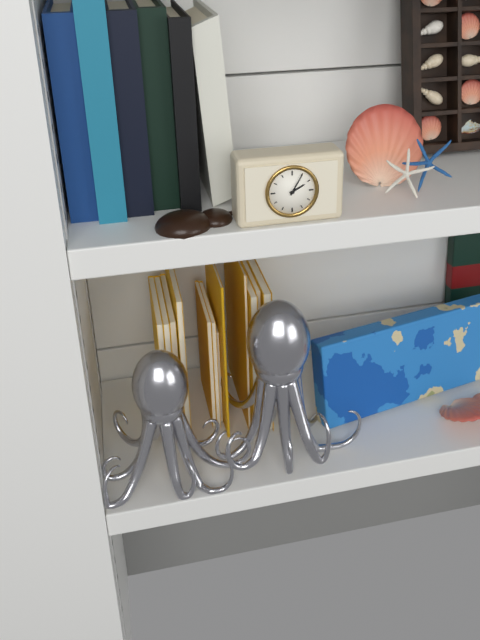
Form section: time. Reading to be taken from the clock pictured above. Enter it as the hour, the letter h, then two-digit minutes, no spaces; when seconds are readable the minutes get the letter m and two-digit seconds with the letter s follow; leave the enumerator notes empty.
2h05
